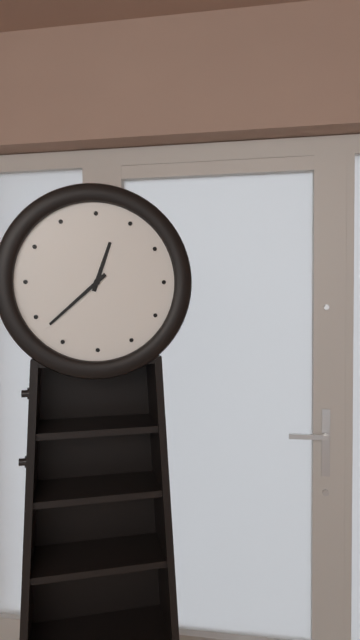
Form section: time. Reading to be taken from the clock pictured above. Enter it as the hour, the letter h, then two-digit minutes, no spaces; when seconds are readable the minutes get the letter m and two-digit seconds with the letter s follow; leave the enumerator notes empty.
12h38
